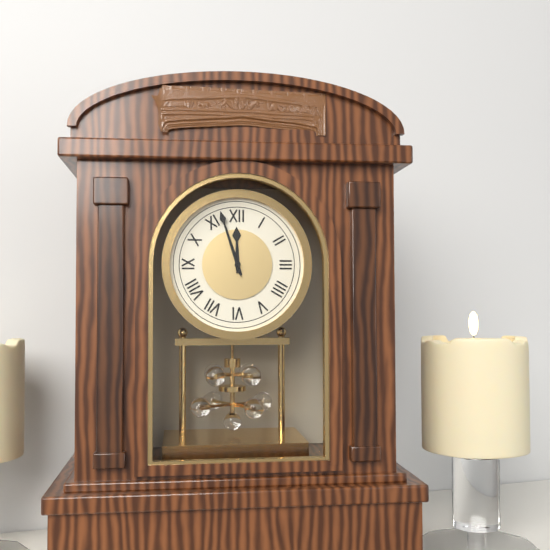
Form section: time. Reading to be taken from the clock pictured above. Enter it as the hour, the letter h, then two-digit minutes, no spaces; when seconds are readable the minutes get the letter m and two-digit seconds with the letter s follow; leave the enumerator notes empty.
11h57
